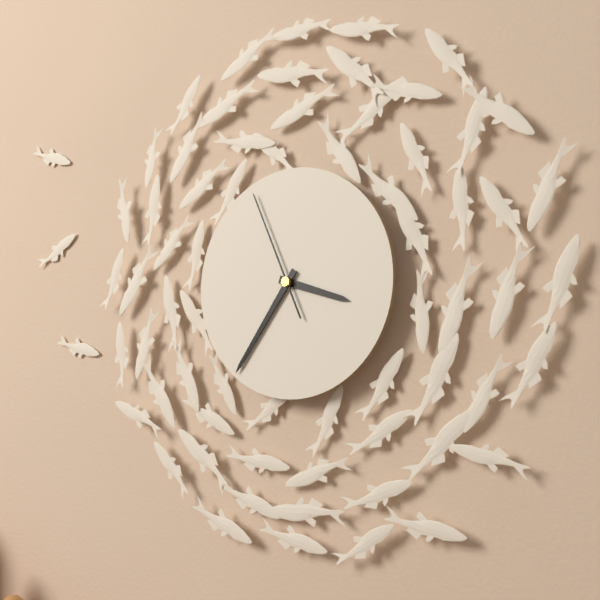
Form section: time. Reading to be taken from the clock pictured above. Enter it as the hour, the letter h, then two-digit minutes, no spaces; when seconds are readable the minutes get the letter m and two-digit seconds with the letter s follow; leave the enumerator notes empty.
3h36m56s
